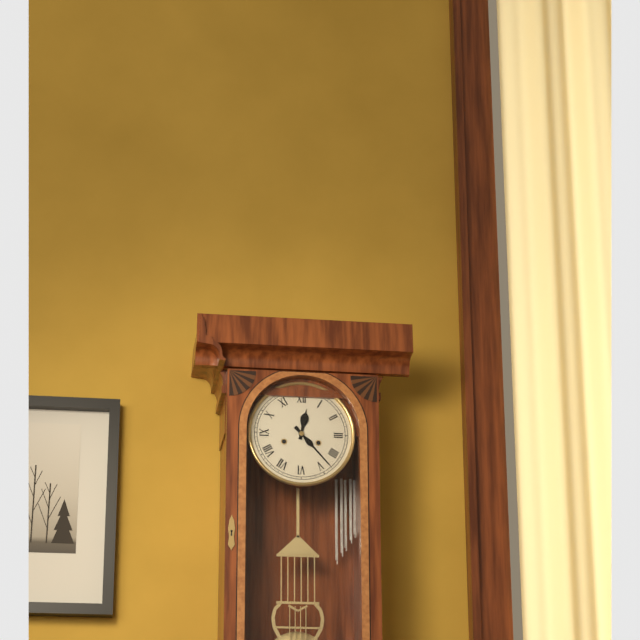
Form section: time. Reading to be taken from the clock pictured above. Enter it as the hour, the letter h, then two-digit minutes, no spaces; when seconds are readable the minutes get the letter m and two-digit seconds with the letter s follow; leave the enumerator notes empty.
12h23
